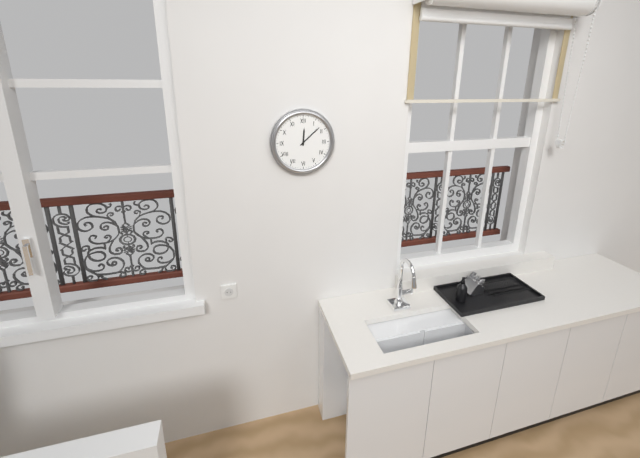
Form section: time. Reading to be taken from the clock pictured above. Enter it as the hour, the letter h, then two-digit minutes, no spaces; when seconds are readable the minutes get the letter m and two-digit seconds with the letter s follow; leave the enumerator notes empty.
12h08
